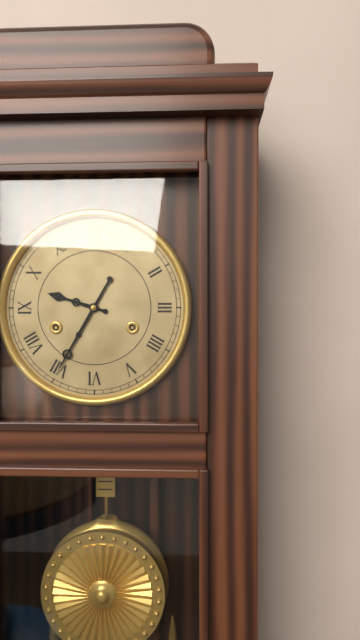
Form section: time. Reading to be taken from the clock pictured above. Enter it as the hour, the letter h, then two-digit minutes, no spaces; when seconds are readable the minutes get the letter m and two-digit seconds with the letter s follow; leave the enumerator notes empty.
9h35
